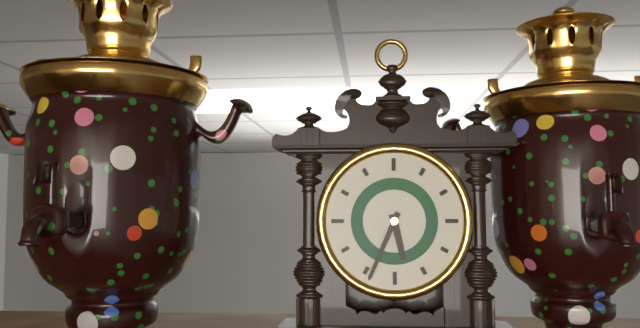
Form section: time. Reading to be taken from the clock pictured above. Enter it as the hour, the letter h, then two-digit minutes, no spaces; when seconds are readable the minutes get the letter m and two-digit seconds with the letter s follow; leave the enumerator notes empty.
5h34
